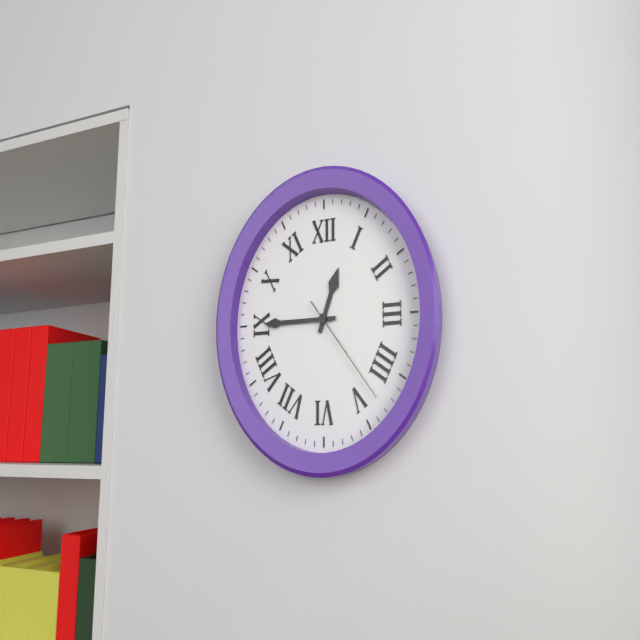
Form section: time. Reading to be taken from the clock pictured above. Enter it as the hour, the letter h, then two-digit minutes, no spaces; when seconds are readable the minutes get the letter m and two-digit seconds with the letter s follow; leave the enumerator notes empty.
12h45m23s
